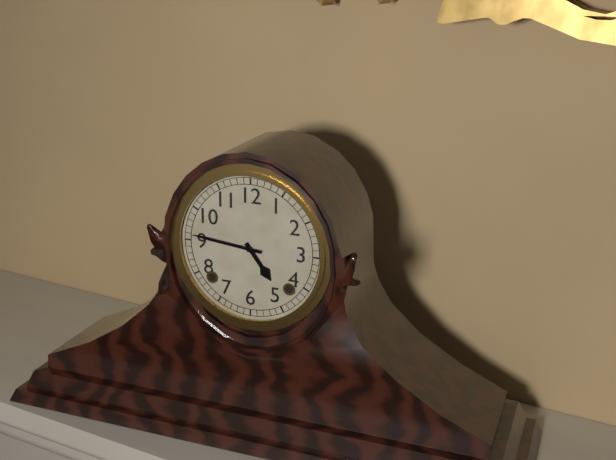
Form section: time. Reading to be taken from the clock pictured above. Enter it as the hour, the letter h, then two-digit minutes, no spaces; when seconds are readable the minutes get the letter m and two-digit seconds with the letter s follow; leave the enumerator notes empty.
4h46
